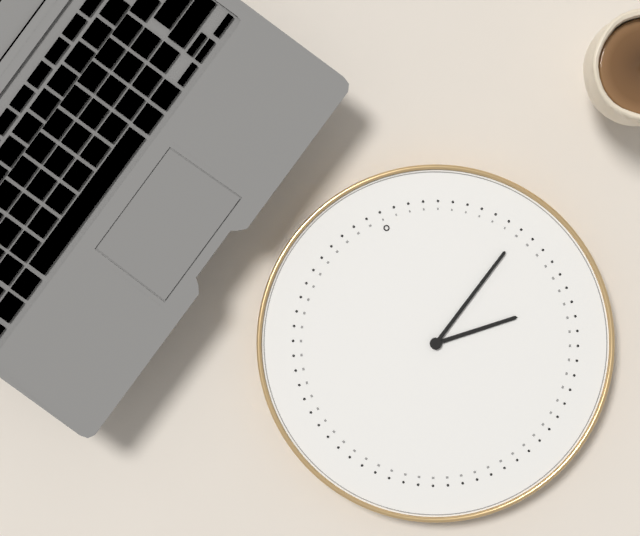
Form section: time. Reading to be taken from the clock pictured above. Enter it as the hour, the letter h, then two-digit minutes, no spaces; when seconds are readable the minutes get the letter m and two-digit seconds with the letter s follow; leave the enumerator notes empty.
3h10
